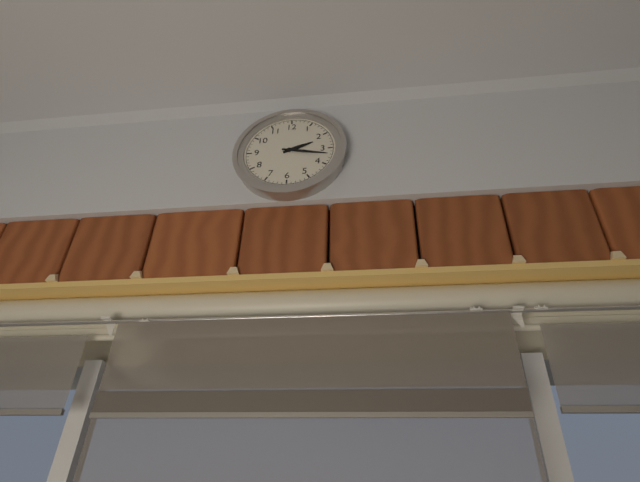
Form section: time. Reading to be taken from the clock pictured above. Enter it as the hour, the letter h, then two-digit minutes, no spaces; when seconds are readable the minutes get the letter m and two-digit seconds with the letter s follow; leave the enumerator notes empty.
2h17
